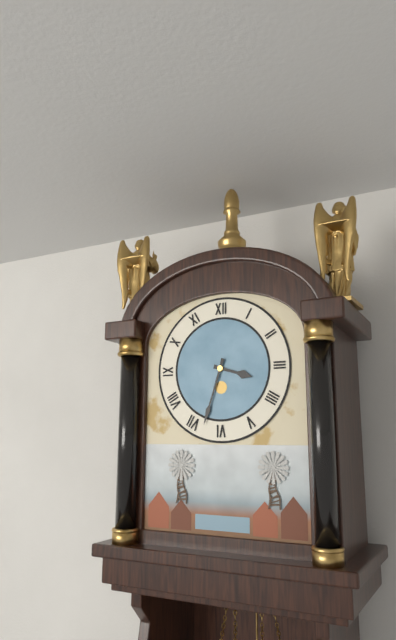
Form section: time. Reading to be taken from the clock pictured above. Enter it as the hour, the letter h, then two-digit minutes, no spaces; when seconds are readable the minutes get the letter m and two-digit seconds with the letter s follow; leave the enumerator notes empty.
3h33
